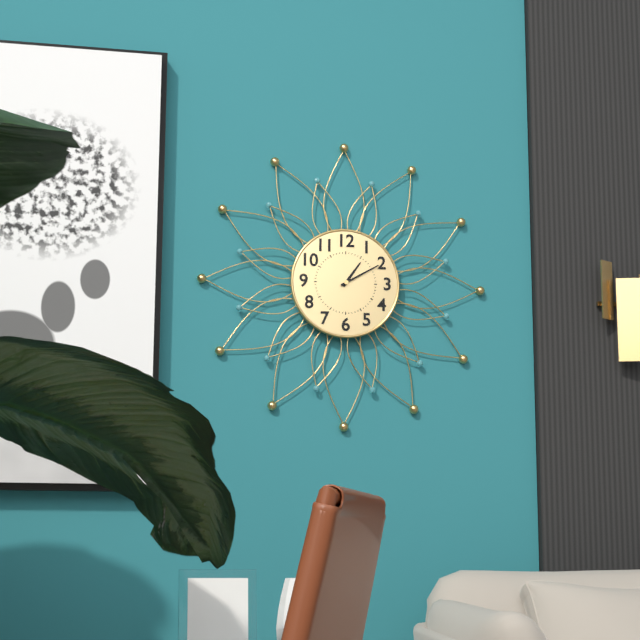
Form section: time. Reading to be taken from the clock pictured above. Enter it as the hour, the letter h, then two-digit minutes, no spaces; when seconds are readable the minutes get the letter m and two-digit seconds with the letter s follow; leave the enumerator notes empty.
1h10
